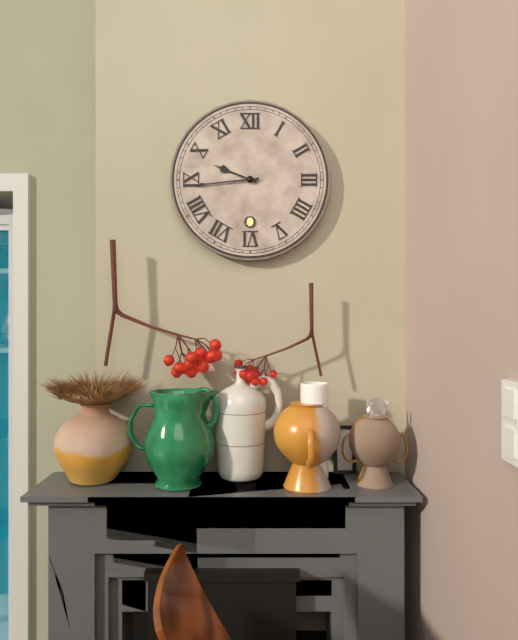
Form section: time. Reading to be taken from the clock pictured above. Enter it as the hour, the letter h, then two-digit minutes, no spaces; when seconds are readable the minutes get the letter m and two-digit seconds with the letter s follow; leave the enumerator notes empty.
9h44
